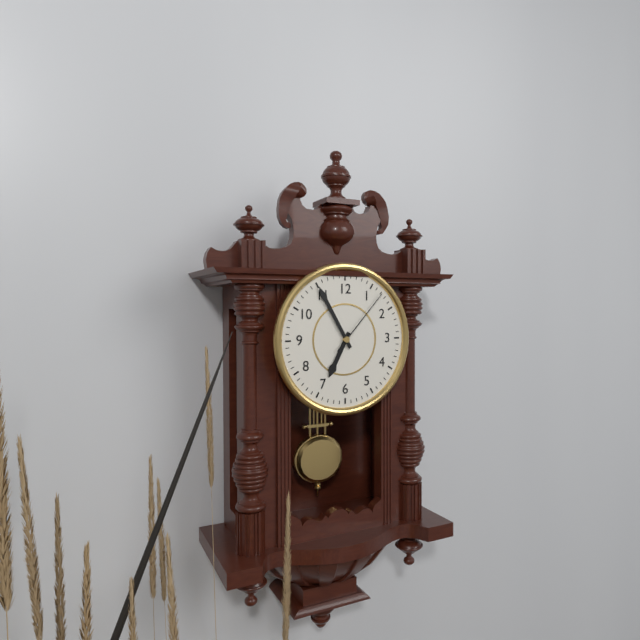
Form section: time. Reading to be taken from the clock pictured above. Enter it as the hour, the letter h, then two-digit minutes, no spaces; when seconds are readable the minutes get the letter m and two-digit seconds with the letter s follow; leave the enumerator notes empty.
6h55m07s
